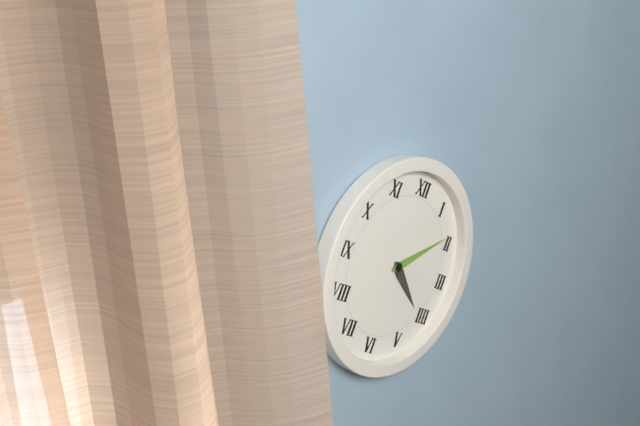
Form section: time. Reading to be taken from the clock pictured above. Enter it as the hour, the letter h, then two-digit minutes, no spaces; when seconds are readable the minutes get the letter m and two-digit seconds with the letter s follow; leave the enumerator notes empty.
4h09
